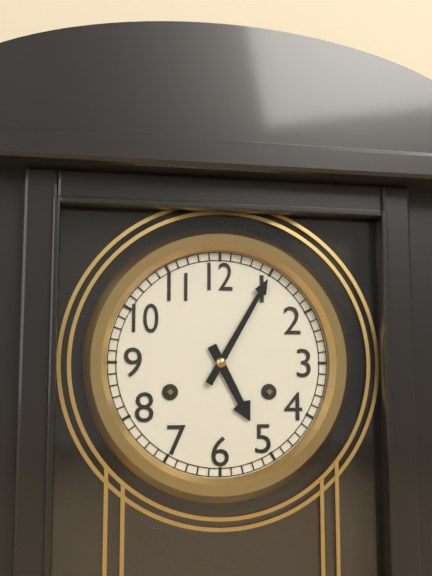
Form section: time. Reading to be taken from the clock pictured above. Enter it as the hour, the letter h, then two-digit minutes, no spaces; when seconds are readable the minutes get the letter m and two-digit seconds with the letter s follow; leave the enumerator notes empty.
5h05
